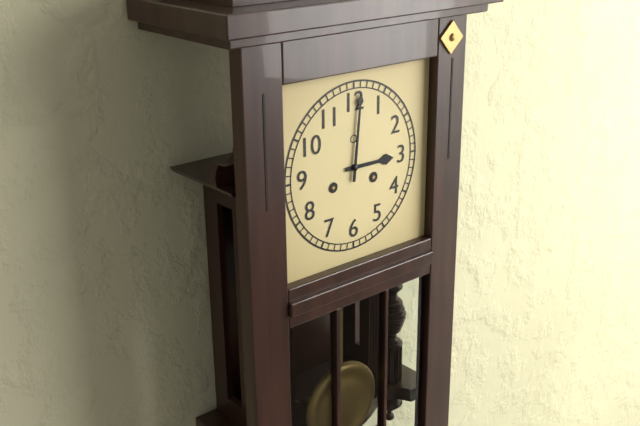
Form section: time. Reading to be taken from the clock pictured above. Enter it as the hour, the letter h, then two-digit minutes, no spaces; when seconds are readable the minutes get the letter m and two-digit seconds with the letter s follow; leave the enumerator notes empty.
3h01
